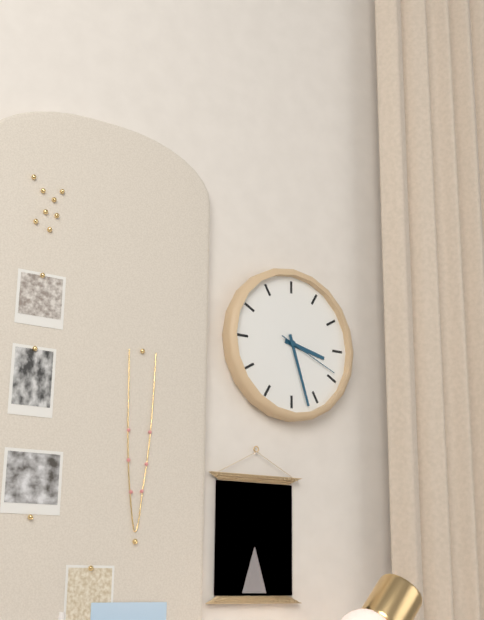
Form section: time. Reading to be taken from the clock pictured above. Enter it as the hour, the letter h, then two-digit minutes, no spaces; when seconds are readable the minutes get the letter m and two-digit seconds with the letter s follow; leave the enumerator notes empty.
3h27m19s
